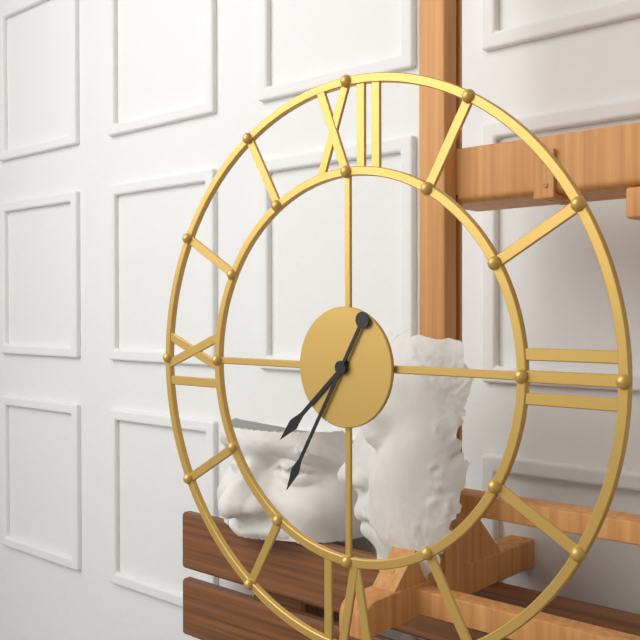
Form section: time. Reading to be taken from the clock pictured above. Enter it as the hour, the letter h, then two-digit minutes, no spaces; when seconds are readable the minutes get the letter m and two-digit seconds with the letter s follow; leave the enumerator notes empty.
7h35
